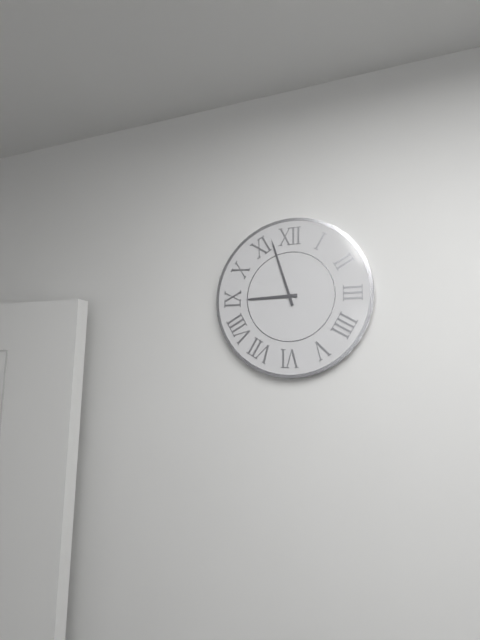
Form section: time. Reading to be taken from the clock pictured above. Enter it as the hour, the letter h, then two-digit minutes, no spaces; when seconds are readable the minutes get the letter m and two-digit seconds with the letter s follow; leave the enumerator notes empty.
8h57
